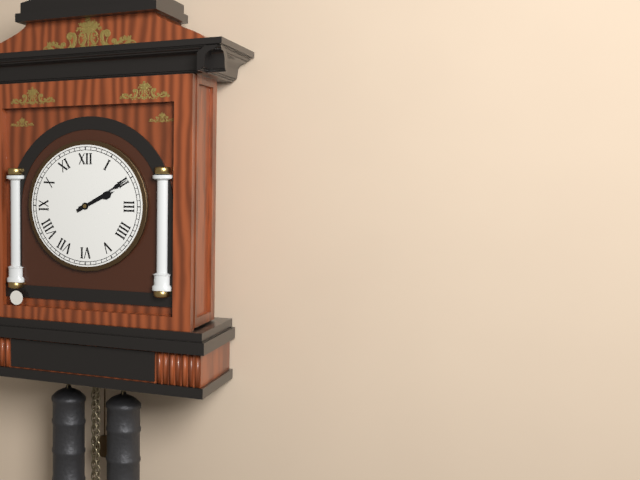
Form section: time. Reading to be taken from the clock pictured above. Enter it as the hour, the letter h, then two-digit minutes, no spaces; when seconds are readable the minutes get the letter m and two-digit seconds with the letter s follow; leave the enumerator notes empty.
2h10
